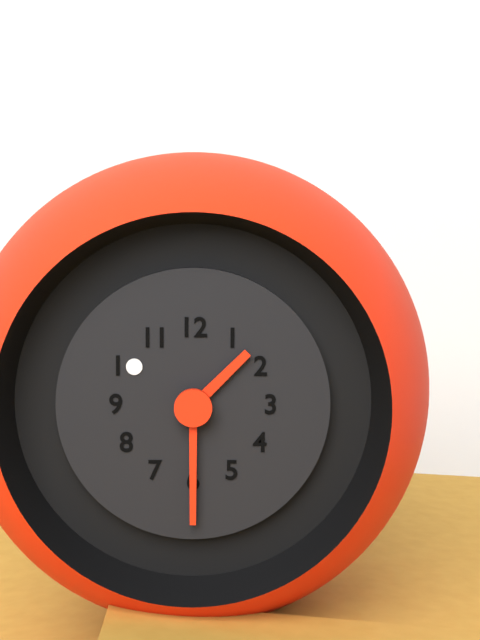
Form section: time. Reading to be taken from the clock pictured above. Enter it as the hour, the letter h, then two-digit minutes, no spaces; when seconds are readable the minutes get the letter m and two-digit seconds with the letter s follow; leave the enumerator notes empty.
1h30
